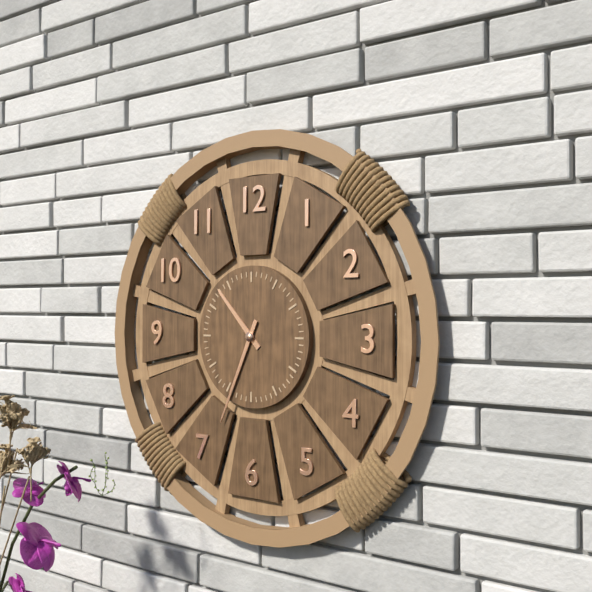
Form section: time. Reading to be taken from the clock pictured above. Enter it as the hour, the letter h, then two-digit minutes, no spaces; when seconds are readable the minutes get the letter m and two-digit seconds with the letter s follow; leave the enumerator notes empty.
10h34
